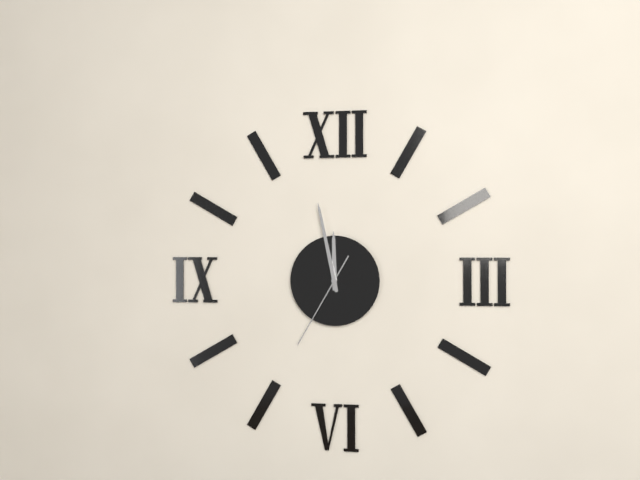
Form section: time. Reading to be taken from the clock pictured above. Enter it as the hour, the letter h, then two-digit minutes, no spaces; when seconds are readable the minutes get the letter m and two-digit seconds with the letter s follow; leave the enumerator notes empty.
11h58m35s
